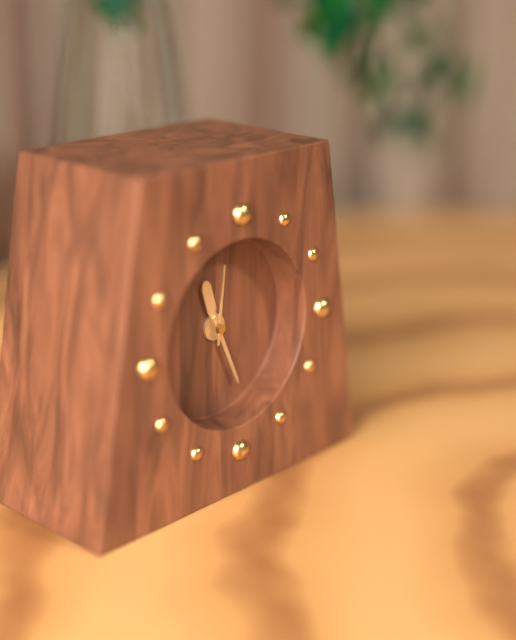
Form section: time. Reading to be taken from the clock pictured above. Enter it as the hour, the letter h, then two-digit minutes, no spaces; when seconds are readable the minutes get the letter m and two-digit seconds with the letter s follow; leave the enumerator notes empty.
11h26m01s
